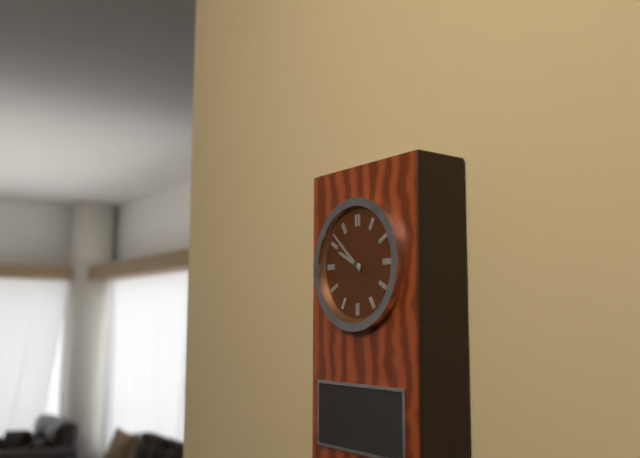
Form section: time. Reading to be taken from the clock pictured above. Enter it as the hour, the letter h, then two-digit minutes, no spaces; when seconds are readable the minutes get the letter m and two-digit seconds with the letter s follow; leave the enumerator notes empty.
9h52
